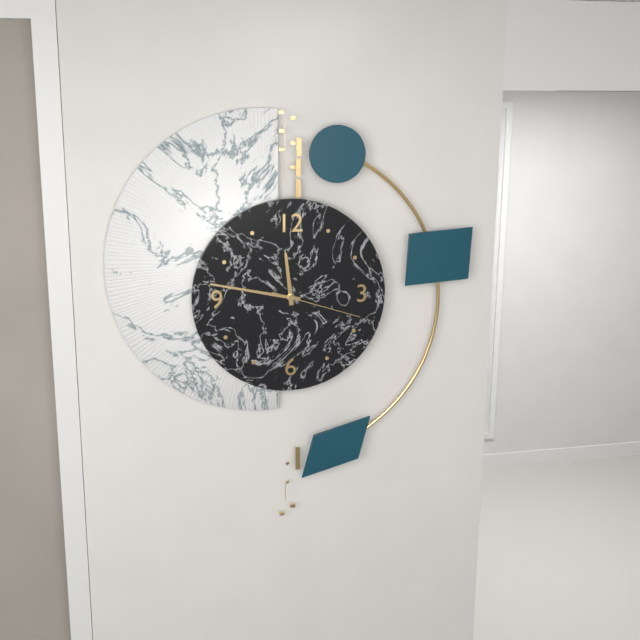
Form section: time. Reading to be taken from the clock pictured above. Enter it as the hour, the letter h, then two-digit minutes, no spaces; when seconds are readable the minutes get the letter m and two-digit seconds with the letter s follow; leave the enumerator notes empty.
11h47m18s
